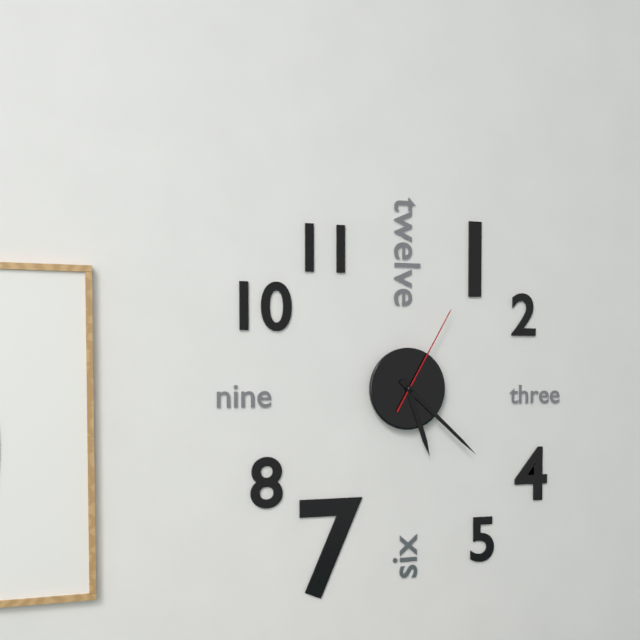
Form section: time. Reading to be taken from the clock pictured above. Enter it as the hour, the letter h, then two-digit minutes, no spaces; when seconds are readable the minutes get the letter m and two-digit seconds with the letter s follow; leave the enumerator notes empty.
5h22m05s
